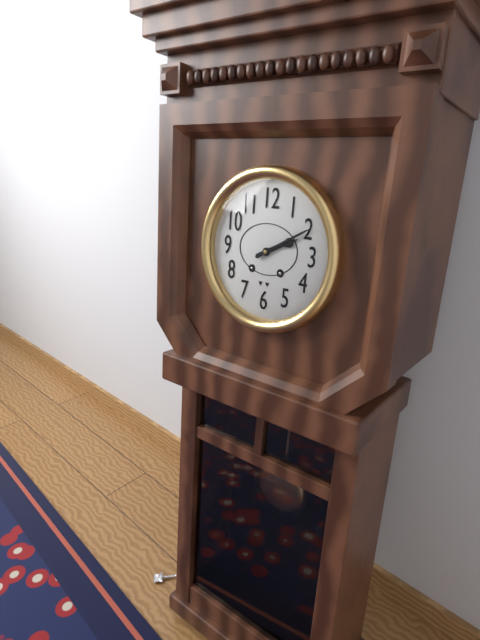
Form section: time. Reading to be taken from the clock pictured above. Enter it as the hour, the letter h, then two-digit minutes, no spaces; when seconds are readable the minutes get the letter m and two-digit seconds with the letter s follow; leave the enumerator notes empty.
2h10
